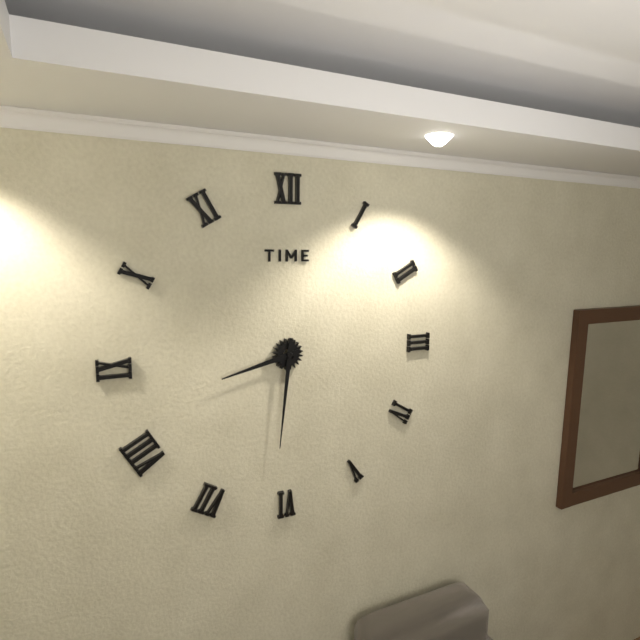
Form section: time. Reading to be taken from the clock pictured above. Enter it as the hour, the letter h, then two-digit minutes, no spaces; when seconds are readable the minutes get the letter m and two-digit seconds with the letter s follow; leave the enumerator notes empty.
8h31
